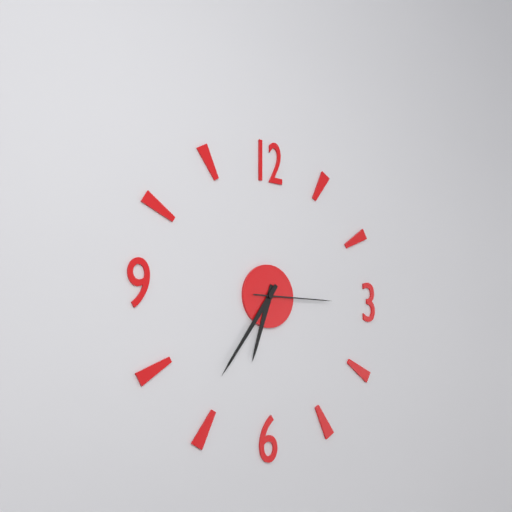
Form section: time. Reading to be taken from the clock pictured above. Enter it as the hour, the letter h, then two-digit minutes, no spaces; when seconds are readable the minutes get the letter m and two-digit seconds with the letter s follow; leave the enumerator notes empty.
6h36m15s
